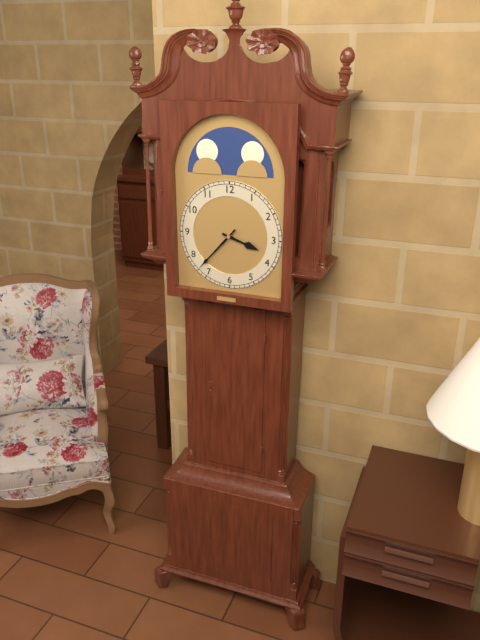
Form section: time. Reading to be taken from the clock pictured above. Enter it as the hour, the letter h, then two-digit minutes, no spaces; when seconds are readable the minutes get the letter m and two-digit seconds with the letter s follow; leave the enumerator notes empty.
3h37
